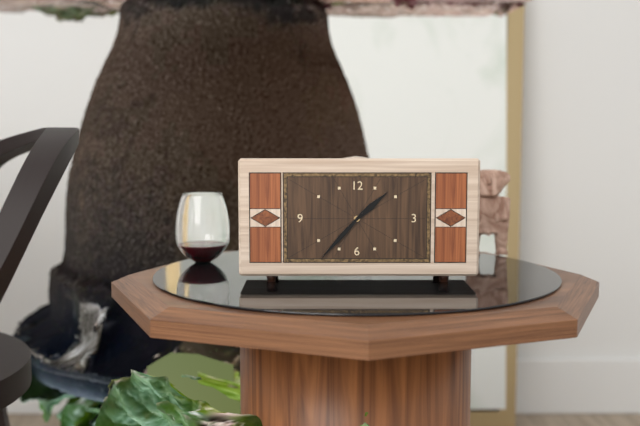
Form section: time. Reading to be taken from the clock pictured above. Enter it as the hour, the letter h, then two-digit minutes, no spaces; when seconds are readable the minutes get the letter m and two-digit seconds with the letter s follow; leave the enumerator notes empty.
1h37
